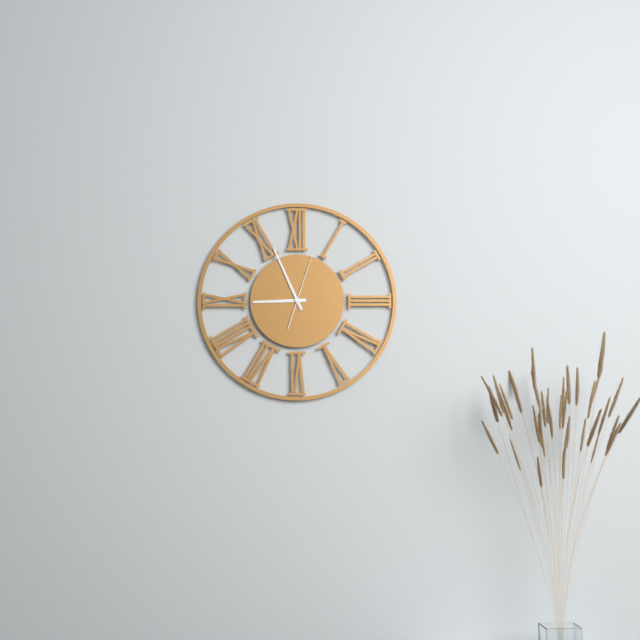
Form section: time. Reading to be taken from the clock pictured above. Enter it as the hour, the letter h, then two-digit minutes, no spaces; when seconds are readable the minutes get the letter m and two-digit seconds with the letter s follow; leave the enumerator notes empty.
8h56m03s
